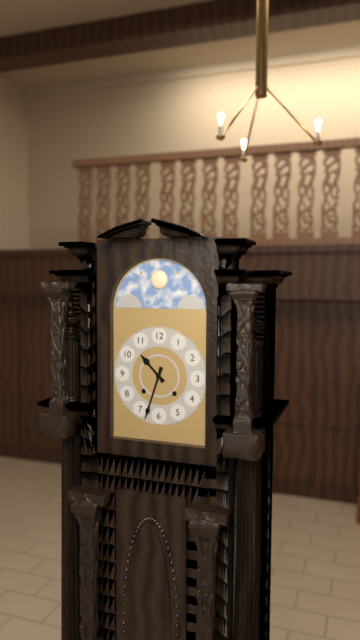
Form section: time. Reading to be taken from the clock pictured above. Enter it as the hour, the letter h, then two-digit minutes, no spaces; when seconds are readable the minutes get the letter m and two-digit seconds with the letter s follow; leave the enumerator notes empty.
10h33
